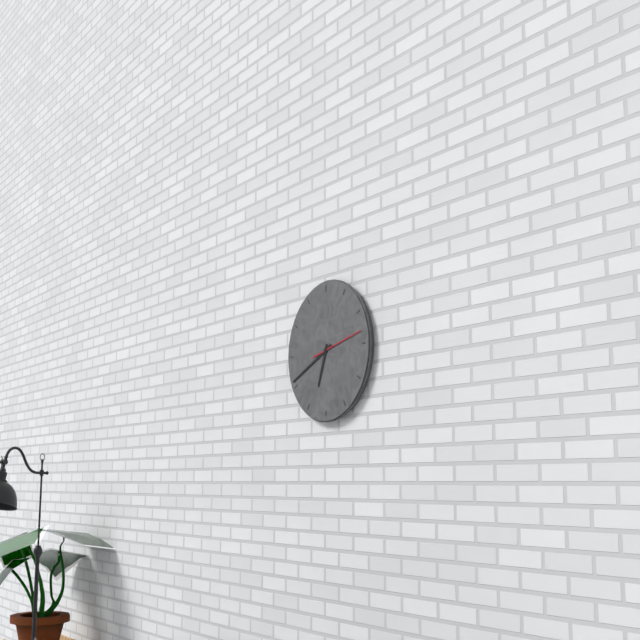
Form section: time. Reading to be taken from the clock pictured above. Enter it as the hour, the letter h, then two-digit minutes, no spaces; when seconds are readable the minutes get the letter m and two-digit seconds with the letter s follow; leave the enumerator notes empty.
6h41m13s
